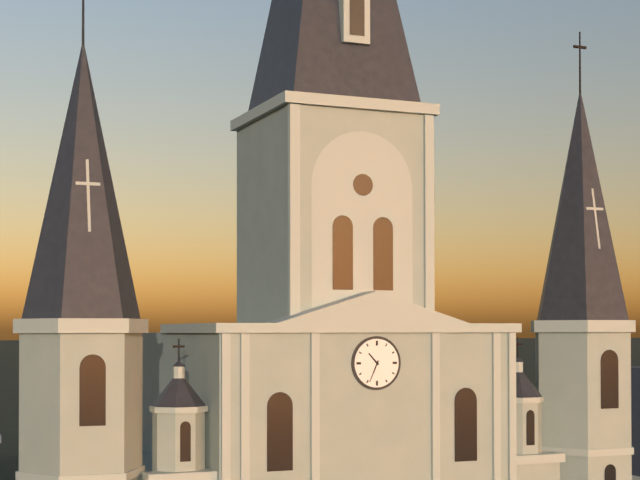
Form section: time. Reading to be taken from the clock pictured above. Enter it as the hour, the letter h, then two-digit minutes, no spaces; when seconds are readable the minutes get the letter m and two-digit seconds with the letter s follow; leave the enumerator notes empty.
10h34
